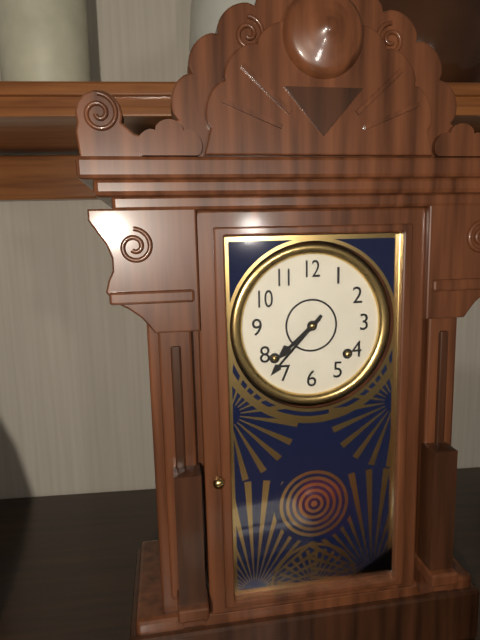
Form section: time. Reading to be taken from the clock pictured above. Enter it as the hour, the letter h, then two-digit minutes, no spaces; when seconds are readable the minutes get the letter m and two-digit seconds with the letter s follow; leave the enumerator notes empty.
7h37
